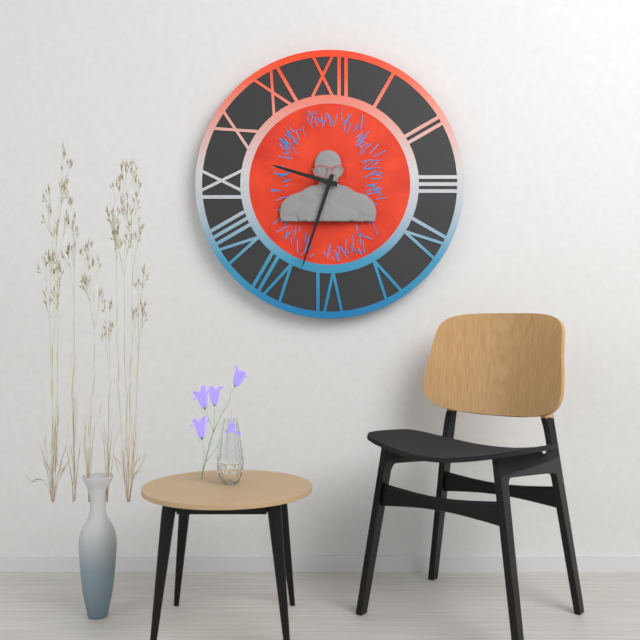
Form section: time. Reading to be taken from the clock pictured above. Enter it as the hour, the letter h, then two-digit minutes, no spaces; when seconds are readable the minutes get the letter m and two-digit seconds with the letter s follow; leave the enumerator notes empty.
9h33
